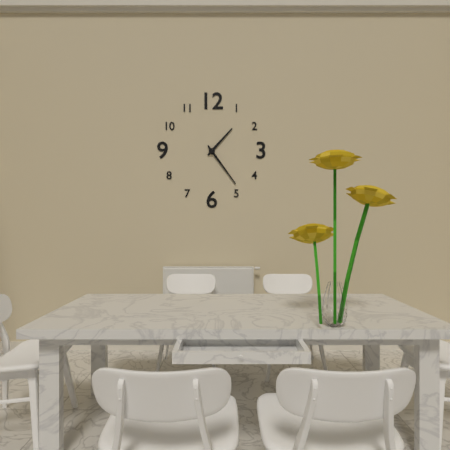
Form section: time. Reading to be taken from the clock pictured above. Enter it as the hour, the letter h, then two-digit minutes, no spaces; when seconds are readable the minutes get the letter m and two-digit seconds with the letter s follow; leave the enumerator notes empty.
1h24
